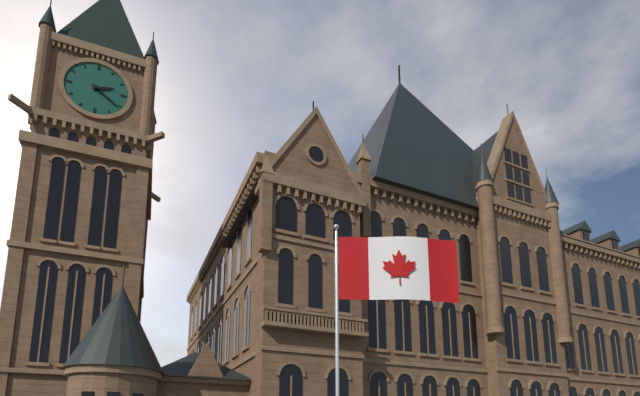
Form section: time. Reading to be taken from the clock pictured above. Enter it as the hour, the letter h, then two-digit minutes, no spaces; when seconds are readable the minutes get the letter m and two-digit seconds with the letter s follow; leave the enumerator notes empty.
2h21
